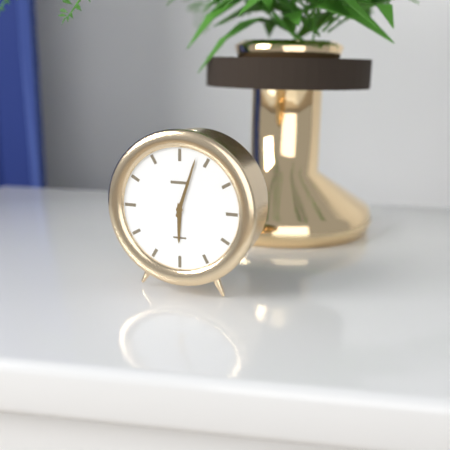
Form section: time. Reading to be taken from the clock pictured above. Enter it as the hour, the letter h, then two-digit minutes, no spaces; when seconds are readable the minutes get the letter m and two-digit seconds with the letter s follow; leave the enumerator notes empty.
6h03
